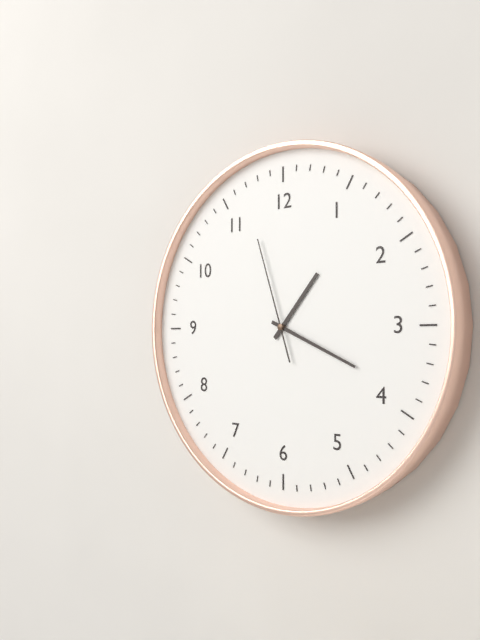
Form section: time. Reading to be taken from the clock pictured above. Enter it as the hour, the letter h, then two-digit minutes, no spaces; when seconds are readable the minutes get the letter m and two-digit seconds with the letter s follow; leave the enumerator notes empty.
1h19m57s
